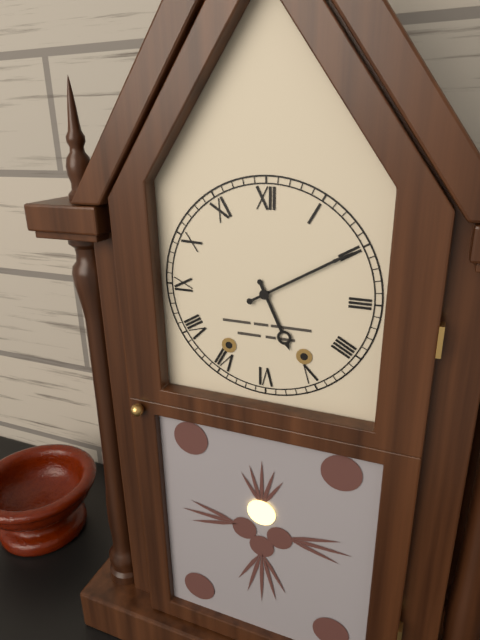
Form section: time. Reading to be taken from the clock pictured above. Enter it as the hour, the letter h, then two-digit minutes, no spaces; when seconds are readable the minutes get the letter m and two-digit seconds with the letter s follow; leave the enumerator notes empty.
5h10
